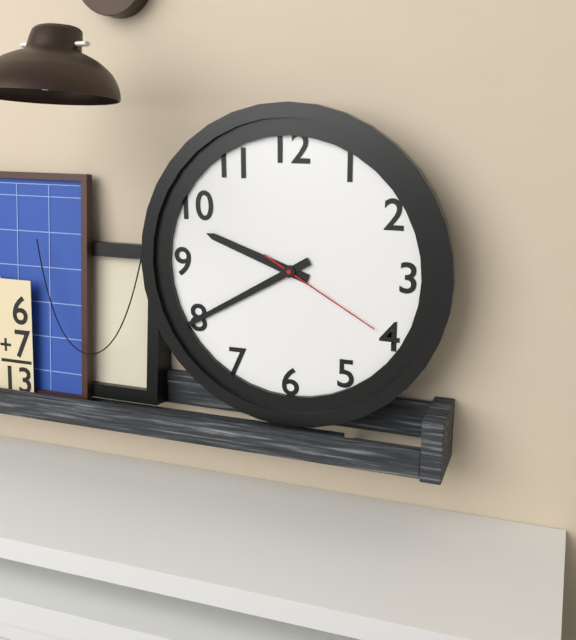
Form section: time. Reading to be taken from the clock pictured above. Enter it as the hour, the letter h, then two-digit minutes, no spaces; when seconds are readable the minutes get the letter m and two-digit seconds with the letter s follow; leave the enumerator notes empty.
9h40m20s
